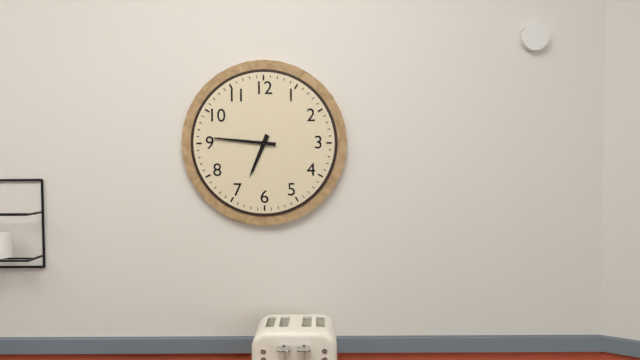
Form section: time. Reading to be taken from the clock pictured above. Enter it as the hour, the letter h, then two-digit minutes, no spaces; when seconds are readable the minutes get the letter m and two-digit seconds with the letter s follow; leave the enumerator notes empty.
6h46
